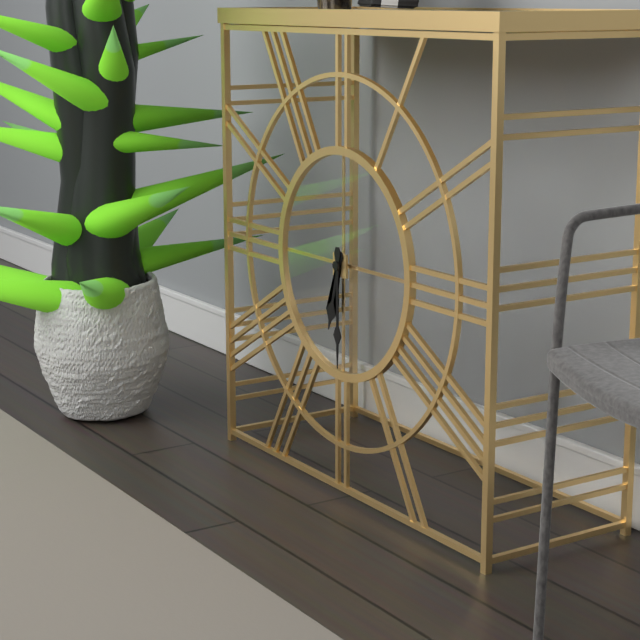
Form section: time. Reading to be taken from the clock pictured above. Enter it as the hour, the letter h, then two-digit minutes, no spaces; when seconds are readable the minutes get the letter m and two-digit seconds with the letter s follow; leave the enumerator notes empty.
6h30
